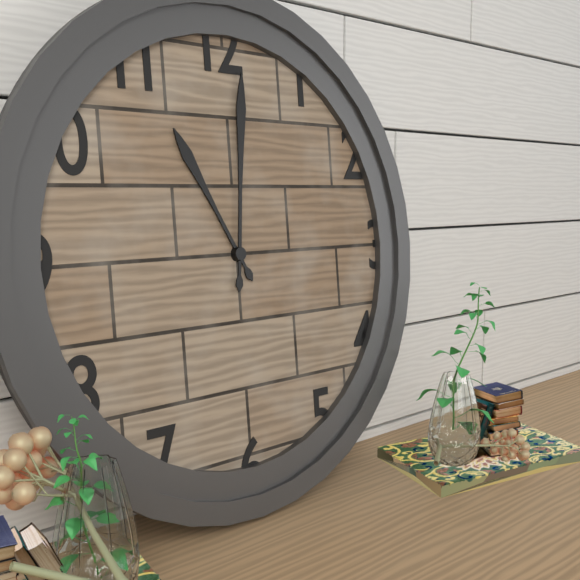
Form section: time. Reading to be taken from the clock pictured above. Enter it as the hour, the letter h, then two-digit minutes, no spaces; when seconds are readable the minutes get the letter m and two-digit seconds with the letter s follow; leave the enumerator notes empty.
11h01
